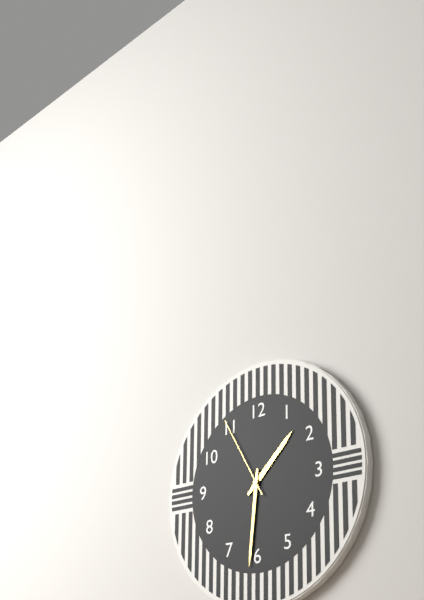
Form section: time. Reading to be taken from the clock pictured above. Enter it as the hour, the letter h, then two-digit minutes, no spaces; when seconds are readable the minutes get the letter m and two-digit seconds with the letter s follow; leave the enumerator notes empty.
1h31m55s
